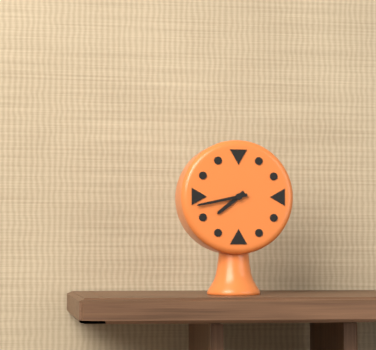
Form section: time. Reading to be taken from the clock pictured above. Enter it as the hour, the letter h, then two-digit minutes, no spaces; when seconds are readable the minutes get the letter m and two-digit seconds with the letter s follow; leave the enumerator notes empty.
7h43
